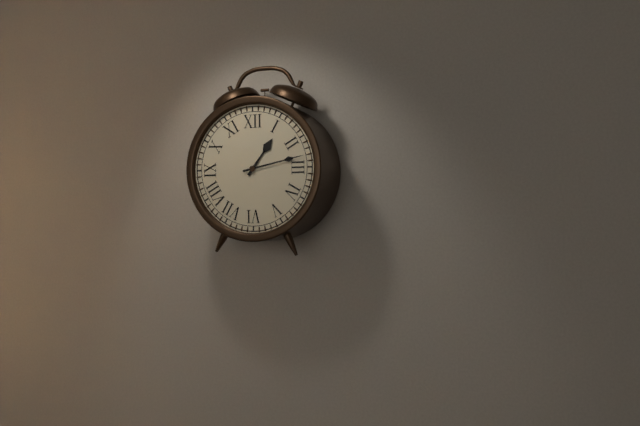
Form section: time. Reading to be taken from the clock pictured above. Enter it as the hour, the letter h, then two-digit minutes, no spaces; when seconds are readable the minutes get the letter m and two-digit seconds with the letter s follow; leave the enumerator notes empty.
1h13
